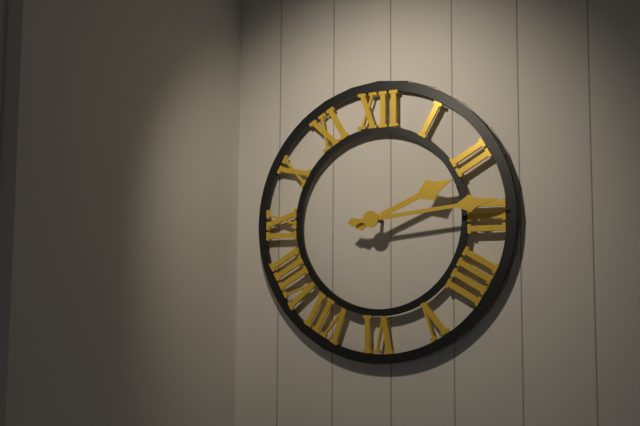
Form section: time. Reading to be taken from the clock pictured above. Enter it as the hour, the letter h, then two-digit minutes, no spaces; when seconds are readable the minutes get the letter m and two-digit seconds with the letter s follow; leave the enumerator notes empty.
2h14
